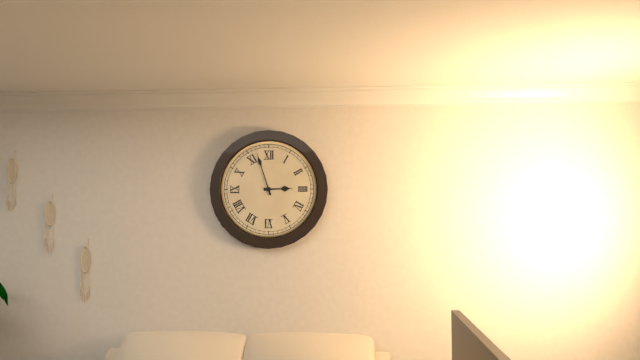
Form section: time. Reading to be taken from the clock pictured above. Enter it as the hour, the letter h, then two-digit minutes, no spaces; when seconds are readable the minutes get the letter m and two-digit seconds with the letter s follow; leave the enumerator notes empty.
2h57
